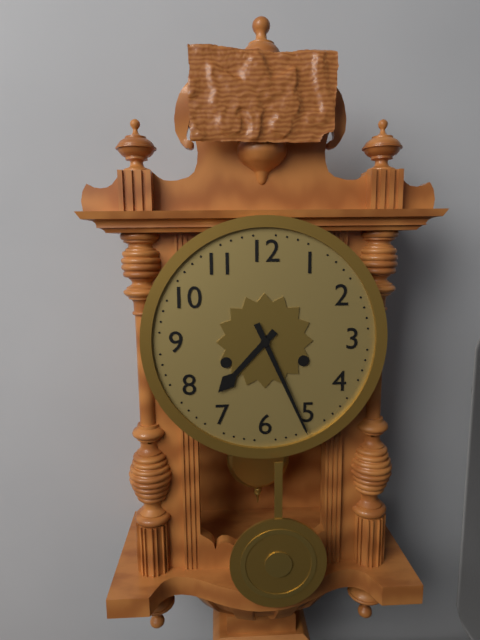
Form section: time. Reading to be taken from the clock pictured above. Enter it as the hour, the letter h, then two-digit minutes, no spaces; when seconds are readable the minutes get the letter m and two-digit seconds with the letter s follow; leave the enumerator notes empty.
7h26
